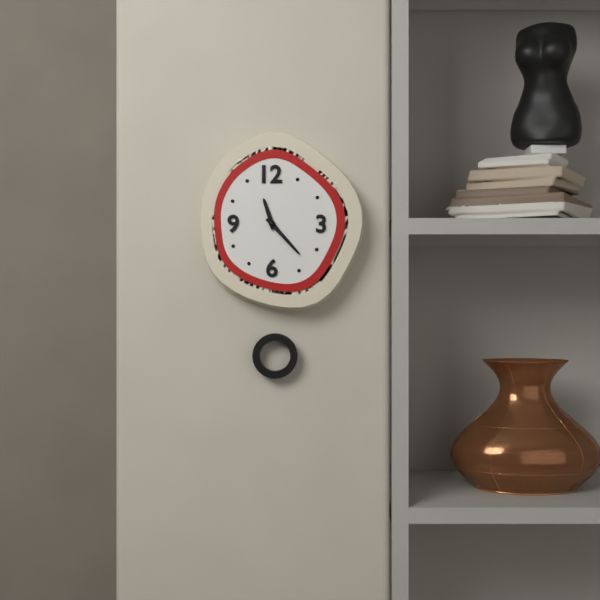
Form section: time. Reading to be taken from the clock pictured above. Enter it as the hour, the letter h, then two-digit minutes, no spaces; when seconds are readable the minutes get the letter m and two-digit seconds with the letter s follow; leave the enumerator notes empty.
11h23
